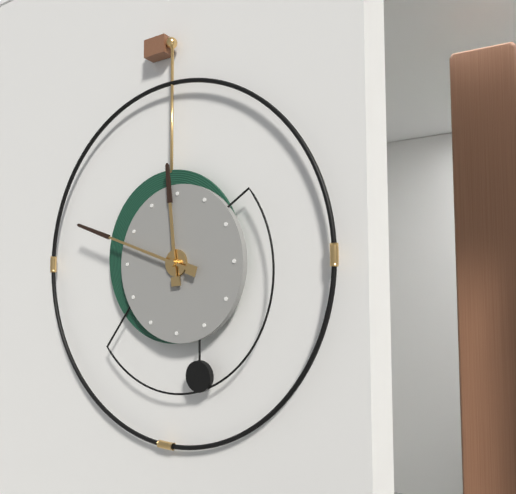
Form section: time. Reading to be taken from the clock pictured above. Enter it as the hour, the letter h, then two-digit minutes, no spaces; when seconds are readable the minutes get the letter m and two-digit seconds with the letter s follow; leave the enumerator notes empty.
11h48
